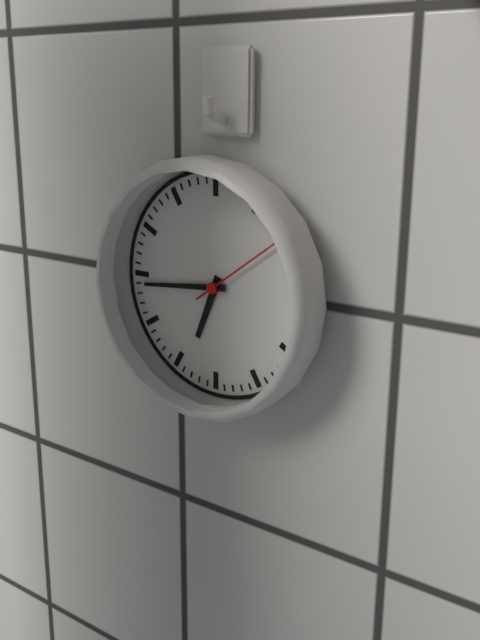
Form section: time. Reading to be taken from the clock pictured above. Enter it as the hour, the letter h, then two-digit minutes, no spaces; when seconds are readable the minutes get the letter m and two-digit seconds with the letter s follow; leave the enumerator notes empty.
6h44m09s
